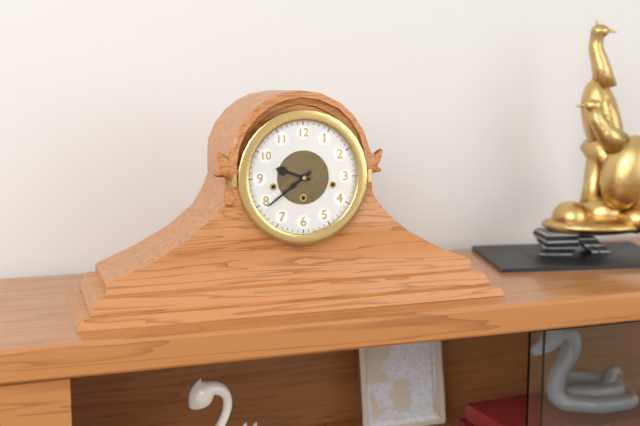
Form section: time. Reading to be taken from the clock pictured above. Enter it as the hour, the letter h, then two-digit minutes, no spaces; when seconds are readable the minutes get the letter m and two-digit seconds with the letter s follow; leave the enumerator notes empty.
9h39
